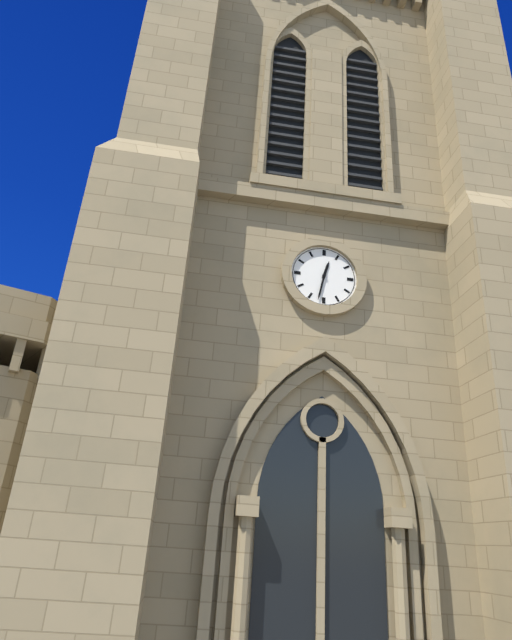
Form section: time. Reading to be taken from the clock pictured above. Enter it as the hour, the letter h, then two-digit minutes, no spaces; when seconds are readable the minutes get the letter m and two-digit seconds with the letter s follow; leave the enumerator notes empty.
12h32
